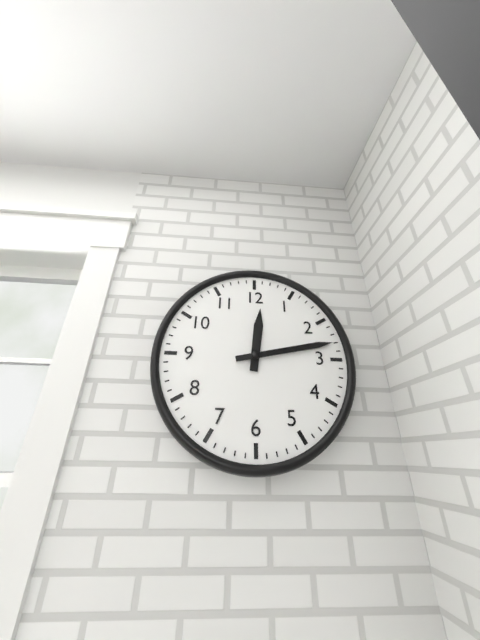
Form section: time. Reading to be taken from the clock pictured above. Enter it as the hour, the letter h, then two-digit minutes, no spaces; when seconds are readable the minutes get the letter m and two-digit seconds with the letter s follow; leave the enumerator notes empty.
12h13
